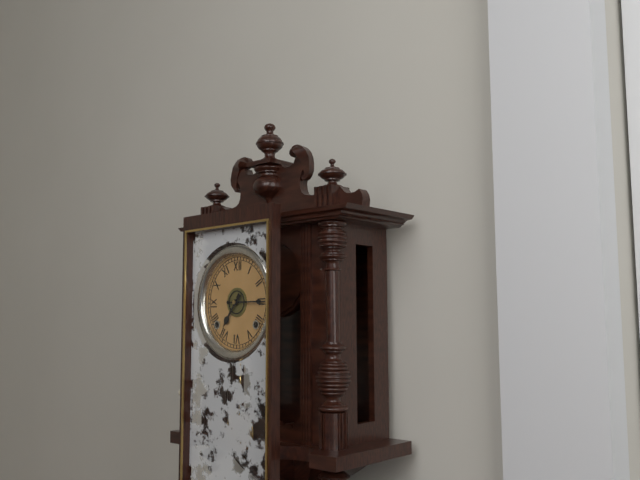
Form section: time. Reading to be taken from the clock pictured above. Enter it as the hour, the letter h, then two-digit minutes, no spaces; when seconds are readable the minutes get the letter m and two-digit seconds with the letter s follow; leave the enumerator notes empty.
7h15
